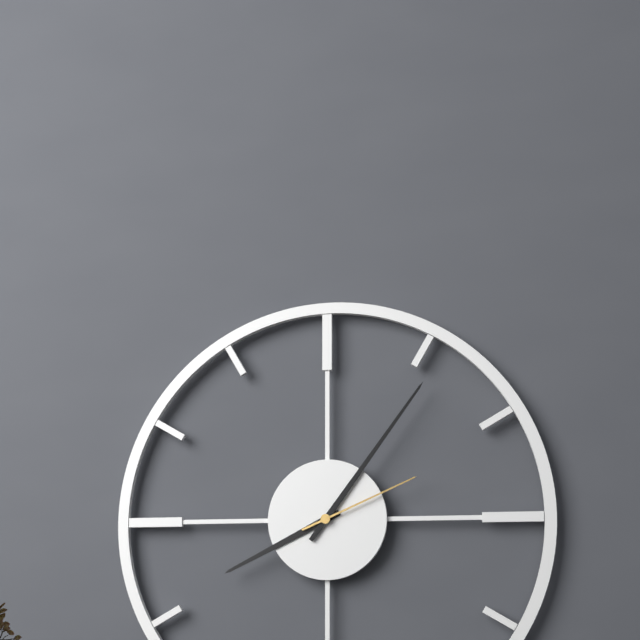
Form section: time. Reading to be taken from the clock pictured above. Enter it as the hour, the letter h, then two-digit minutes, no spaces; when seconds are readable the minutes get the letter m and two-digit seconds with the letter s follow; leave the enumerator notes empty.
8h06m11s
